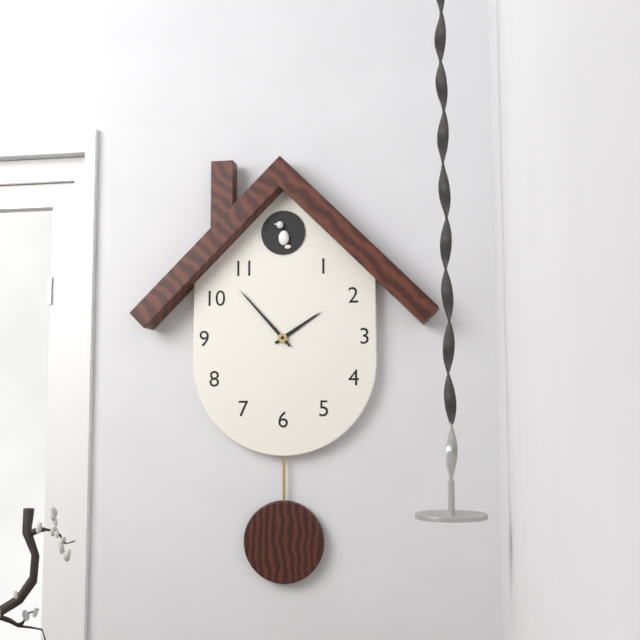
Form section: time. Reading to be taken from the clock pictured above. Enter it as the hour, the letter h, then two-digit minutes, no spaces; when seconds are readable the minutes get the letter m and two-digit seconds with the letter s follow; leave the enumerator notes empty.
1h53
